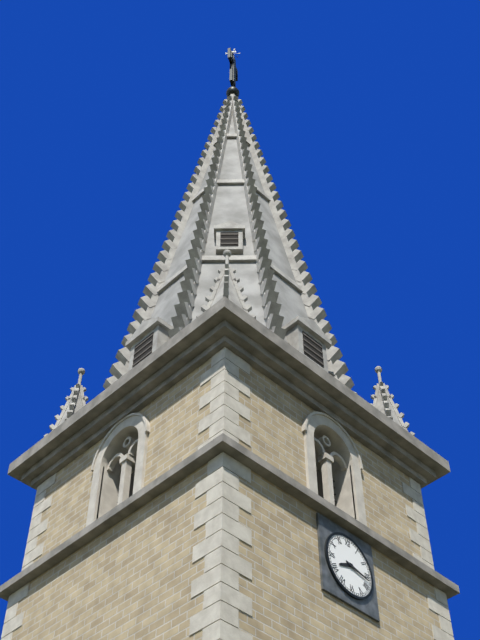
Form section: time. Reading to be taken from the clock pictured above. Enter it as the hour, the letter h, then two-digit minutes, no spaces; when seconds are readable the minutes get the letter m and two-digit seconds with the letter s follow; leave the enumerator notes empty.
8h17
